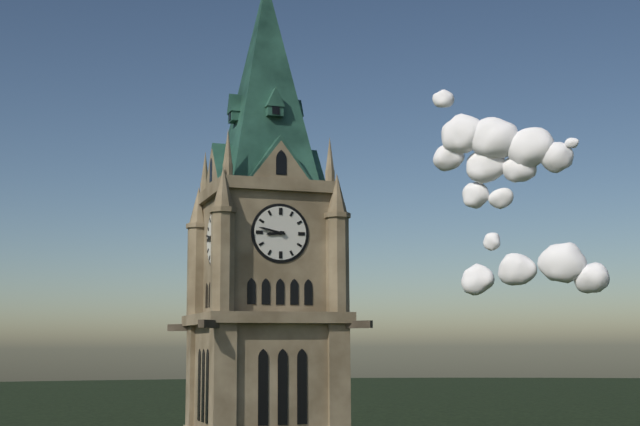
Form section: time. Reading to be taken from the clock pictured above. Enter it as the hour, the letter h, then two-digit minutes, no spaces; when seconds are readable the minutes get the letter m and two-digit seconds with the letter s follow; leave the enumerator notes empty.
8h47
